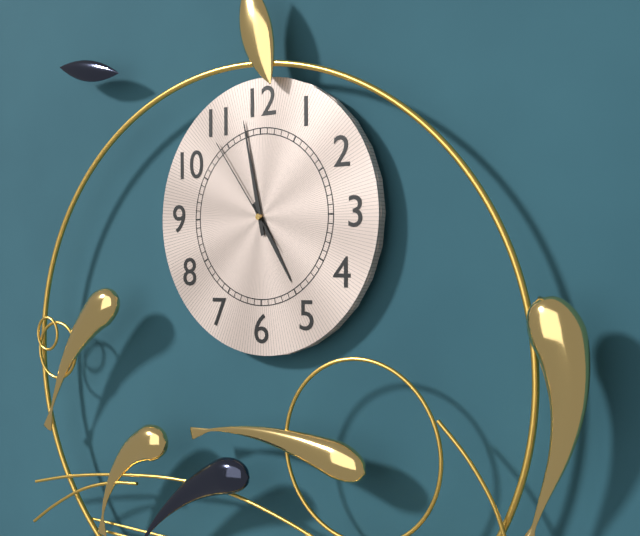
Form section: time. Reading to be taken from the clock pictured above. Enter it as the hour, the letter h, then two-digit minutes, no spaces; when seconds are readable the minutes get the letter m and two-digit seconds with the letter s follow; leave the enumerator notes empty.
4h58m54s
